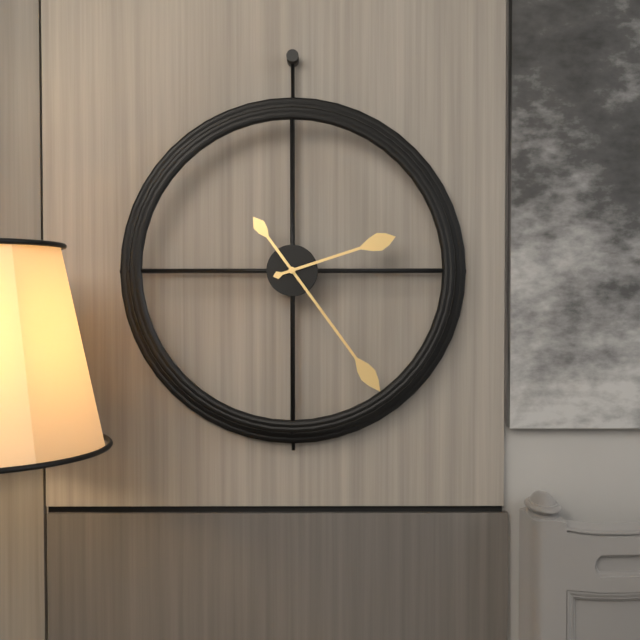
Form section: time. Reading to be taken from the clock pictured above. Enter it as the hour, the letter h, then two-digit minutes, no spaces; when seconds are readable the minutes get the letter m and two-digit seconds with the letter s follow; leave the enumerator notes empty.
2h24
